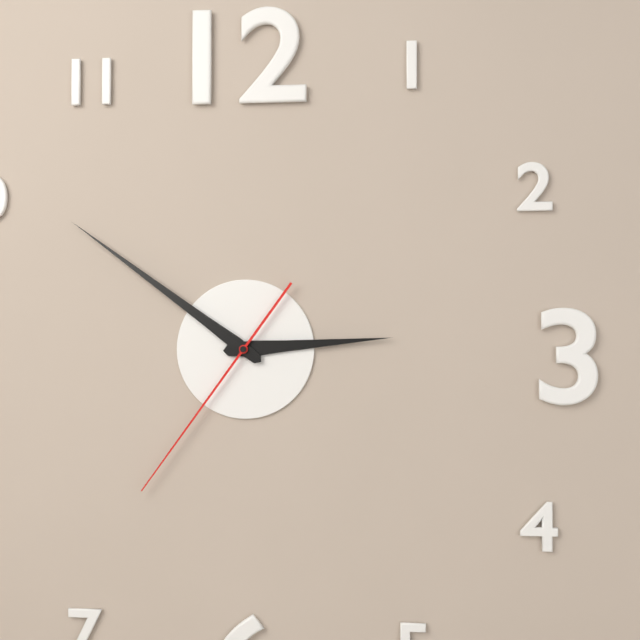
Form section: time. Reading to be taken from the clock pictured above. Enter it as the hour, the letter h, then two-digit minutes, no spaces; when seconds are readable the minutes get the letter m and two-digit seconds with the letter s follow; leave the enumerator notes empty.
2h51m36s
